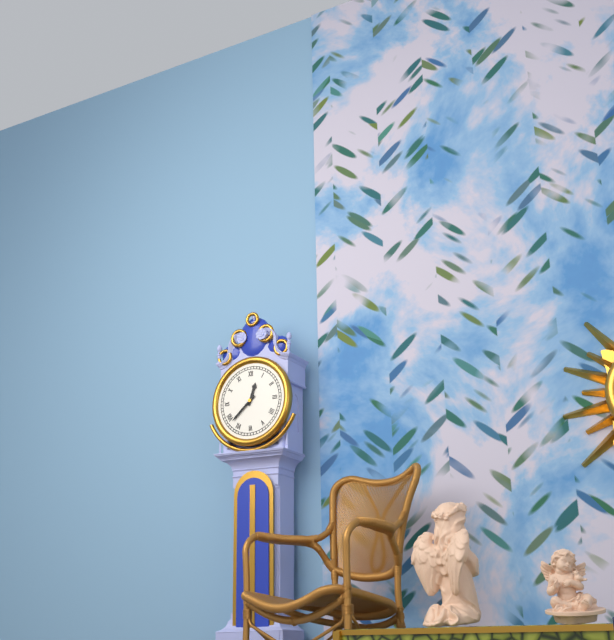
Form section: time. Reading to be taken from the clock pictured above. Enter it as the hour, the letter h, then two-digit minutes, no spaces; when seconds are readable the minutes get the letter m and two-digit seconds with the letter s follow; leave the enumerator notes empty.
12h38
